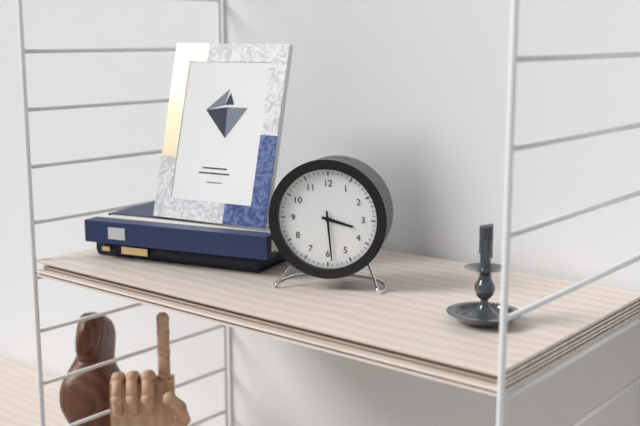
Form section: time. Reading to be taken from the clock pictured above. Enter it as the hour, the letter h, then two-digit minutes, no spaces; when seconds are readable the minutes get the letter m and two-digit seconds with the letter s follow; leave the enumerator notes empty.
3h29
